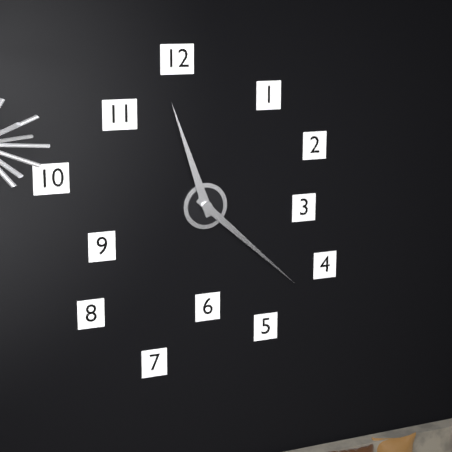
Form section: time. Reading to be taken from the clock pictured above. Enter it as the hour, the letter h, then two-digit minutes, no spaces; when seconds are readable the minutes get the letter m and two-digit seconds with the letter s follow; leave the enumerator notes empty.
11h22
